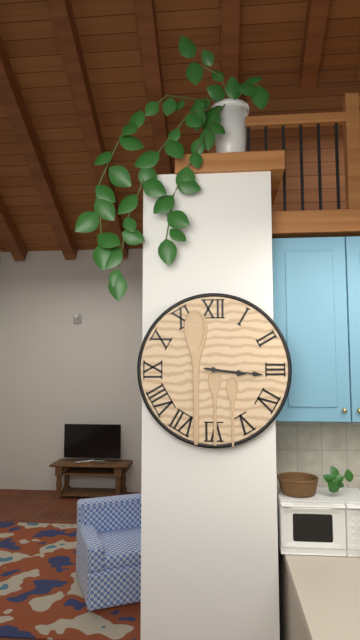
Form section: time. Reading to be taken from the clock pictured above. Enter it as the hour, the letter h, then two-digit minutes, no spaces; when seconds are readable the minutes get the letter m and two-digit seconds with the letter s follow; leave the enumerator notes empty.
3h16
